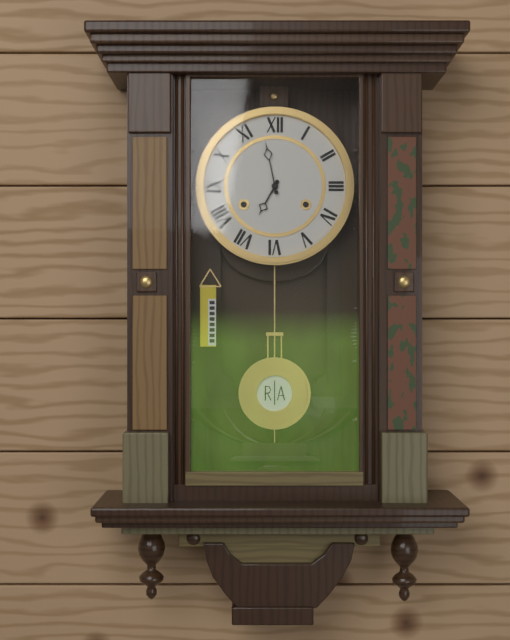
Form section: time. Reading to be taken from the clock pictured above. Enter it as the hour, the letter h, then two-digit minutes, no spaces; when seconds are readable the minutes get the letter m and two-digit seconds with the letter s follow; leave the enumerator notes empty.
6h58
